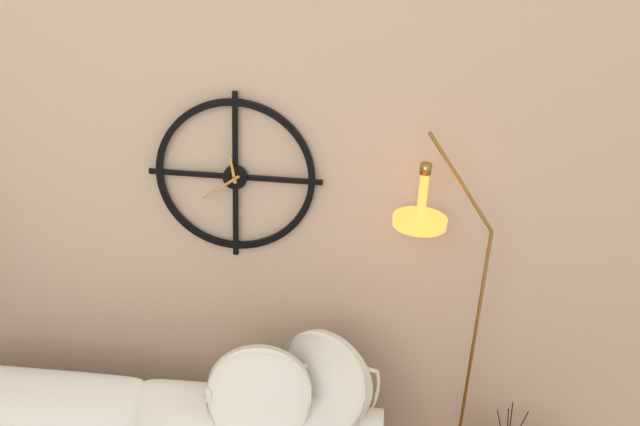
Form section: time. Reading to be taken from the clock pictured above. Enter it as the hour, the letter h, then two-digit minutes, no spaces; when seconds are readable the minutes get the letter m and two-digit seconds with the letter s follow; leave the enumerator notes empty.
11h39
